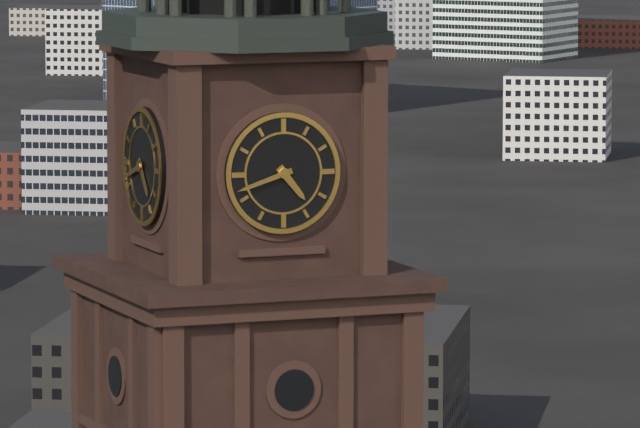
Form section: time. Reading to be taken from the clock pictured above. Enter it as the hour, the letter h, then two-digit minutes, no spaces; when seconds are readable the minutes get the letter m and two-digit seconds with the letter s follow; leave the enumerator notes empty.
4h42
